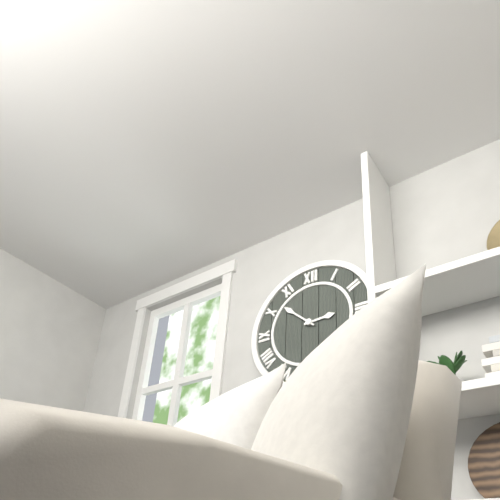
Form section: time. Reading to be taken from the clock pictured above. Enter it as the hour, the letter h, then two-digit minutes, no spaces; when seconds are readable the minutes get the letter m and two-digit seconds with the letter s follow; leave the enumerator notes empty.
2h52
